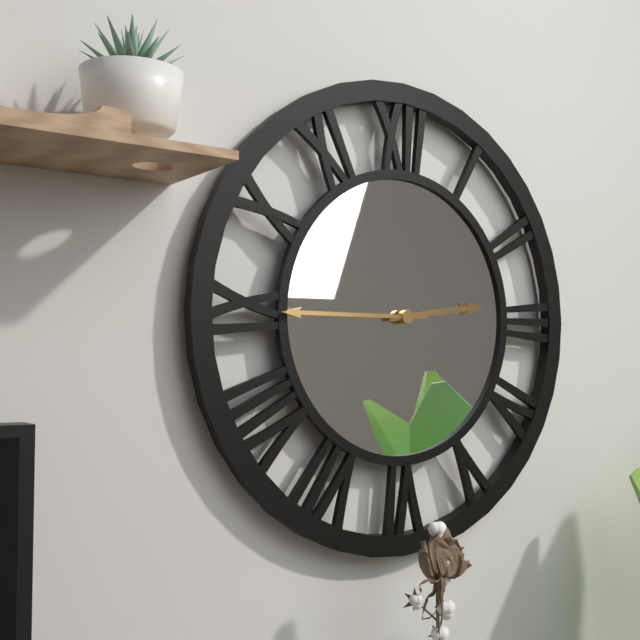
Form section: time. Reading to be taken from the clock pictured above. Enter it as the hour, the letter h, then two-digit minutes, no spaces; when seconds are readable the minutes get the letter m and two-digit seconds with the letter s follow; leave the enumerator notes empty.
2h45
